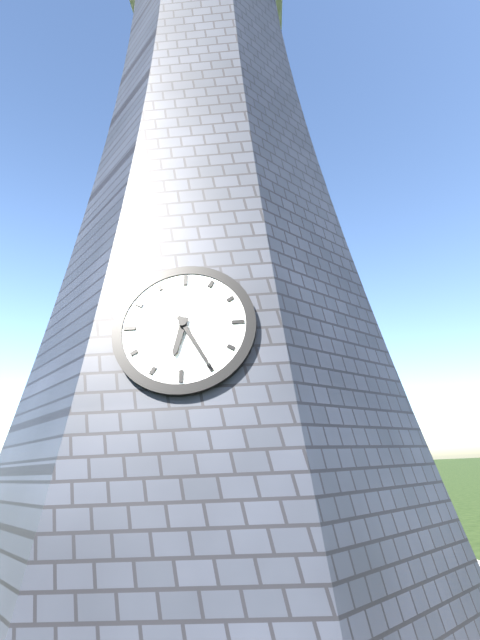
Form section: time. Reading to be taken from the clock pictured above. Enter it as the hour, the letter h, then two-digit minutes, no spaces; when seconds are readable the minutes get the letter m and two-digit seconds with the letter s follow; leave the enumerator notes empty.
6h25
